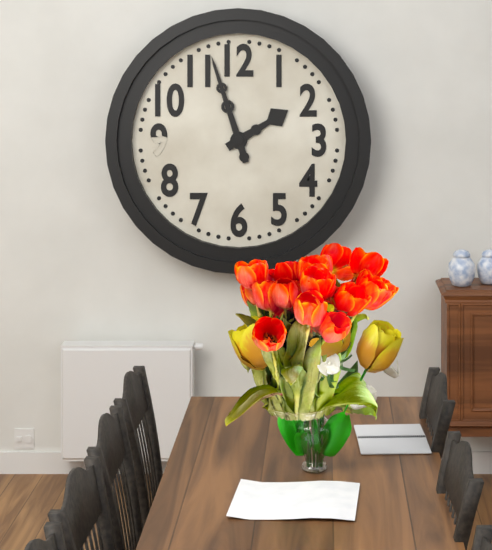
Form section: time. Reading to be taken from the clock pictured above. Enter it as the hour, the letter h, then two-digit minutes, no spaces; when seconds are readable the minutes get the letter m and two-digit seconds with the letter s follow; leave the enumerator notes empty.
1h57
